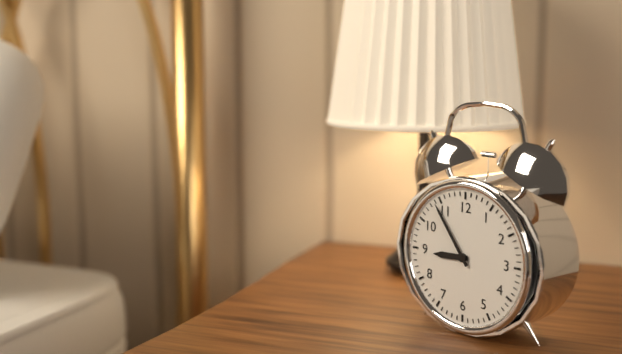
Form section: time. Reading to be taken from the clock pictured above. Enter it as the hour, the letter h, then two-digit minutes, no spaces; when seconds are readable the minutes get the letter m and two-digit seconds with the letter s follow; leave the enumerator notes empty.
8h54
